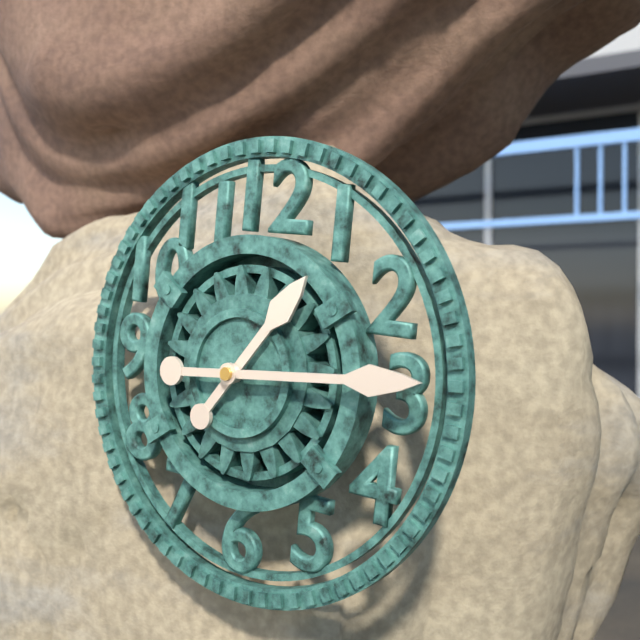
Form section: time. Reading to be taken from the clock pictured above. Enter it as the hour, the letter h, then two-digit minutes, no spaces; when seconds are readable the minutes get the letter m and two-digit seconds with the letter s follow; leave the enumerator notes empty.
1h14
